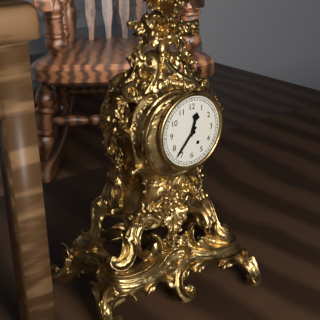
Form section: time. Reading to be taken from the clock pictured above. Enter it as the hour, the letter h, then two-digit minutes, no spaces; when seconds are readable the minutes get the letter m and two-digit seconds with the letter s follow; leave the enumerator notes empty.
12h37
